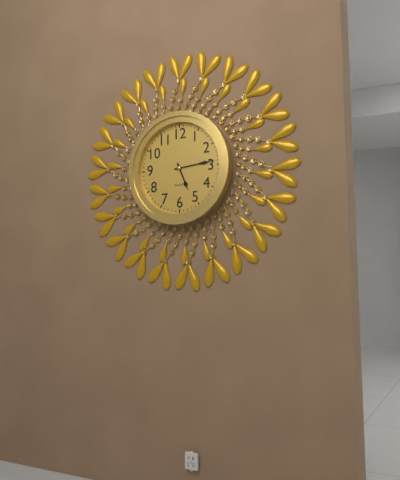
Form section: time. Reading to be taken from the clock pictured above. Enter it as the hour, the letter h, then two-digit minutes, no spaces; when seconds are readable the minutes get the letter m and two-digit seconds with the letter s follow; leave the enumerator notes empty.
5h14
